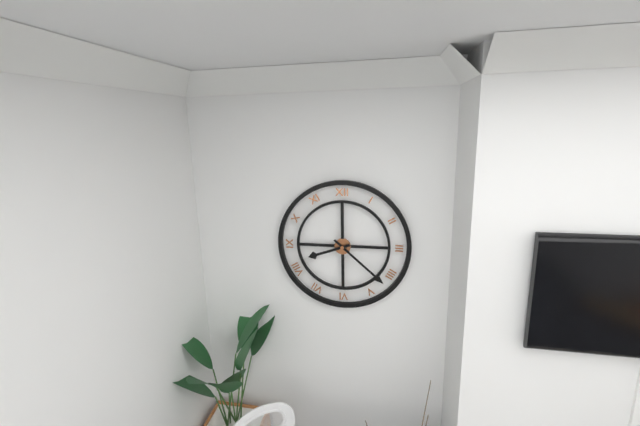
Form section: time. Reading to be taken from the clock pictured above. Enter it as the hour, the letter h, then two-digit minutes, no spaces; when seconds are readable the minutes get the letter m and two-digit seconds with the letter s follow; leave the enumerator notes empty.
8h22
